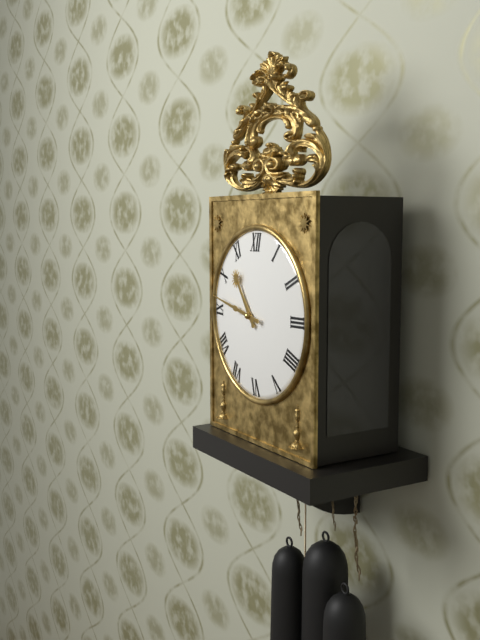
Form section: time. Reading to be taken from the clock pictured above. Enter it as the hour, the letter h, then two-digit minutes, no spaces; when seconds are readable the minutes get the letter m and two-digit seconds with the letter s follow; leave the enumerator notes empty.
10h47
